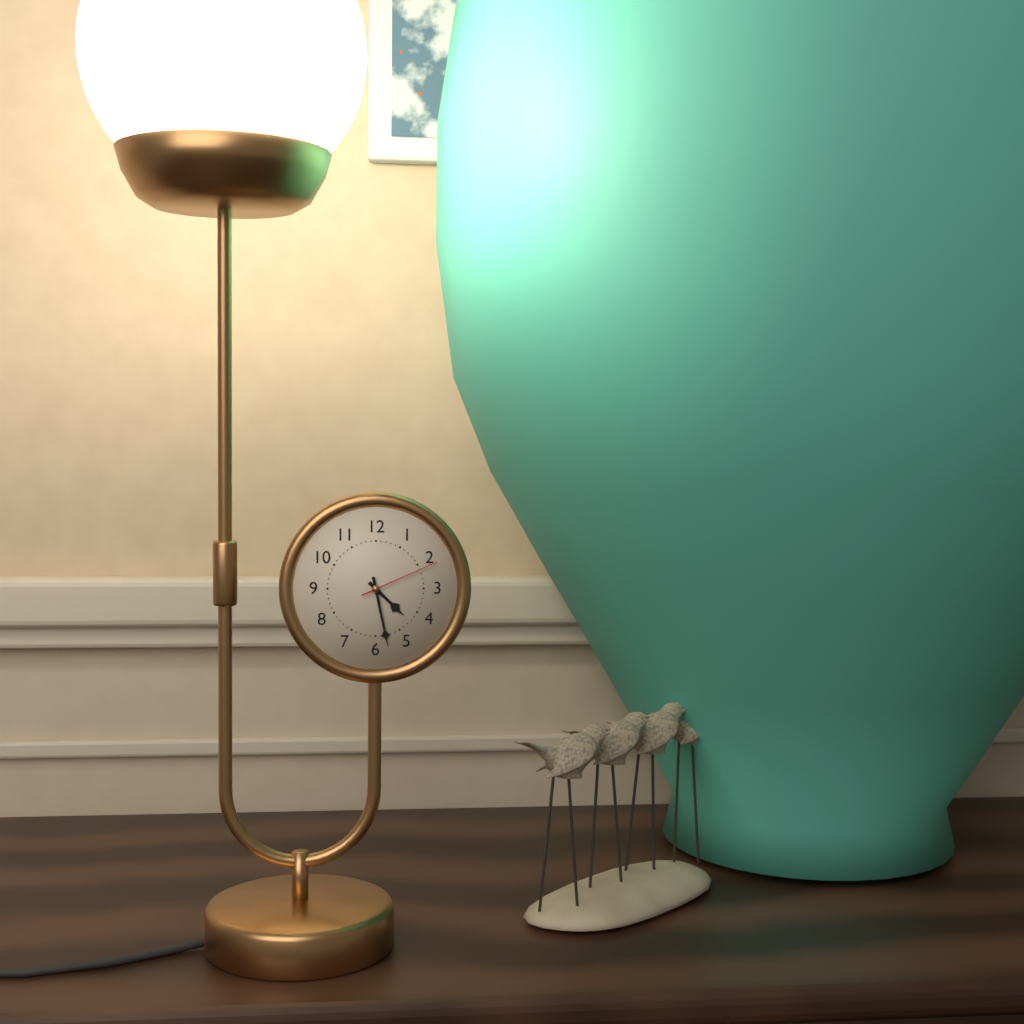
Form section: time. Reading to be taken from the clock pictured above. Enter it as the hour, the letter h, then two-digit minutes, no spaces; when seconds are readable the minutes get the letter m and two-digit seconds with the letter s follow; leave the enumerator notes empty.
4h28m11s
